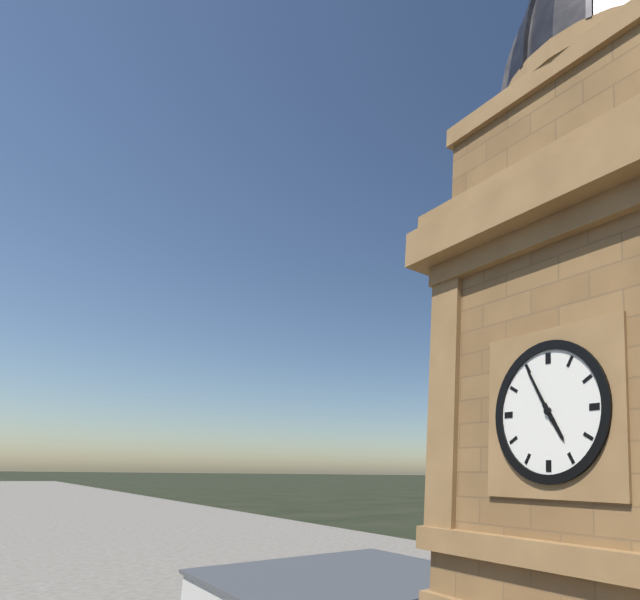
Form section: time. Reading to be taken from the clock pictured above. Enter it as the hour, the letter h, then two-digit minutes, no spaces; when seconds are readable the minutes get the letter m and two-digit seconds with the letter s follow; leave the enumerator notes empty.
4h55
